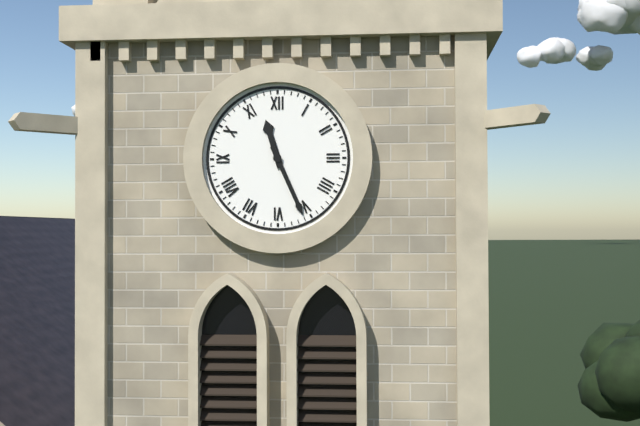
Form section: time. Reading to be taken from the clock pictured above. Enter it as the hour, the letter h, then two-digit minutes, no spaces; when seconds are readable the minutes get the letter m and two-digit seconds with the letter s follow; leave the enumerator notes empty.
11h26
